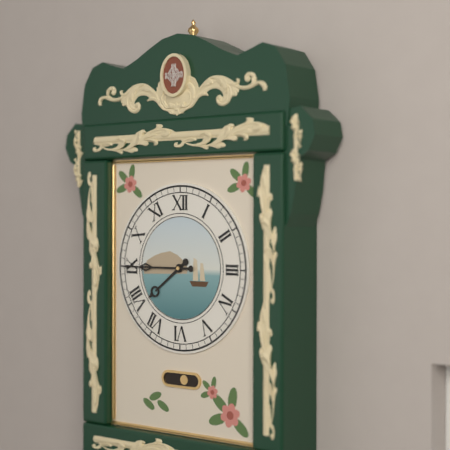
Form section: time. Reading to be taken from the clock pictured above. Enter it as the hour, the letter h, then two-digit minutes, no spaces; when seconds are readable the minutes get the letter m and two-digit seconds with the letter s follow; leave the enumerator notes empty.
7h45
